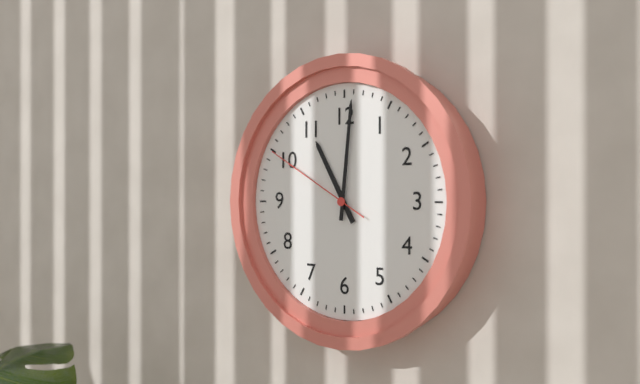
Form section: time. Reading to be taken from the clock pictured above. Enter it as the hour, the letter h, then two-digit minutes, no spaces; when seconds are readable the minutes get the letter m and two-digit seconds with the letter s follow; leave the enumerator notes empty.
11h01m50s
